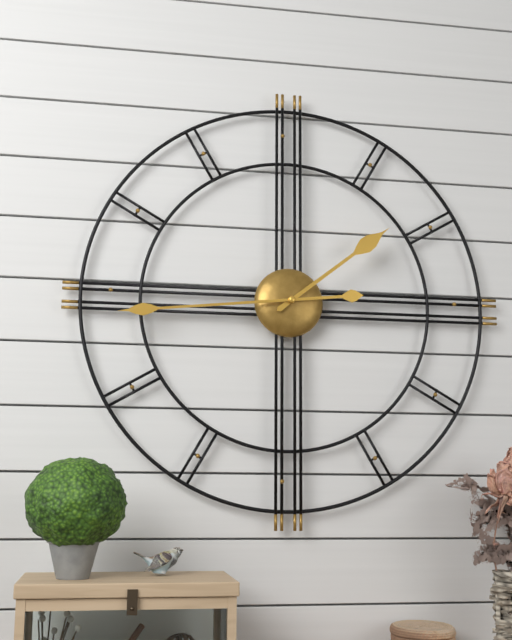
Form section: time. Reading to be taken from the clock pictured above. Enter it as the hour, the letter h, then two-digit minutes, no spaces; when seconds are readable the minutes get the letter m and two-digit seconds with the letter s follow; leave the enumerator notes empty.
1h44
